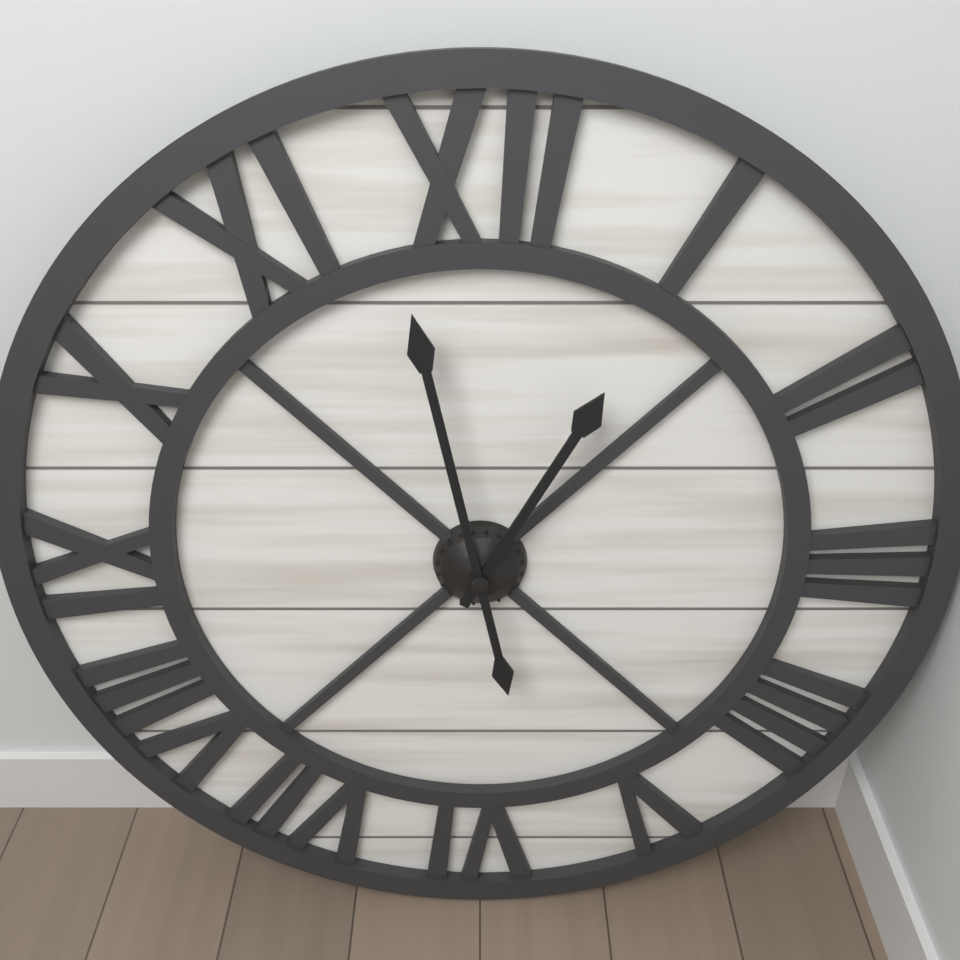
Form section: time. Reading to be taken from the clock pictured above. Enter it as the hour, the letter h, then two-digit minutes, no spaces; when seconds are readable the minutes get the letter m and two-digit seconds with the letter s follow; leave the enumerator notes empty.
12h58
